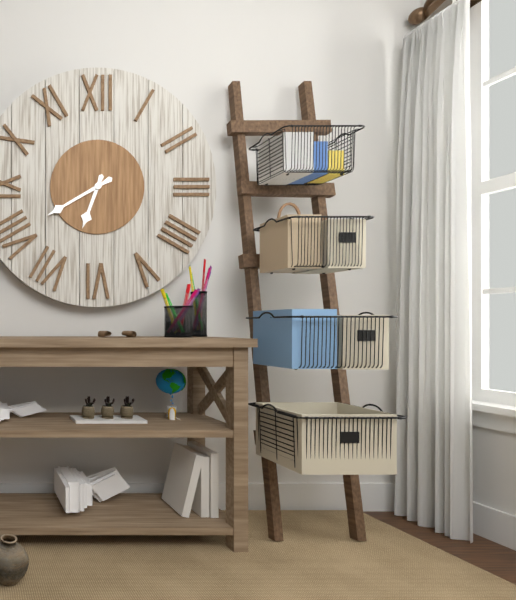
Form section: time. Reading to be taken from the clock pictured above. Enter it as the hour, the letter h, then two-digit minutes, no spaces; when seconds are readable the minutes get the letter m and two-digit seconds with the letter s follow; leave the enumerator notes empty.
6h40
